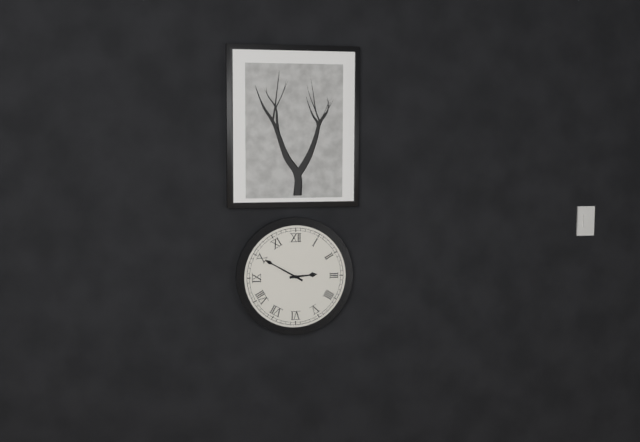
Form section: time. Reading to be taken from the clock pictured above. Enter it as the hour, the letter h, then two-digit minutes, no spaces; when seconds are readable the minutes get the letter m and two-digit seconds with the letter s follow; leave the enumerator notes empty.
2h50
